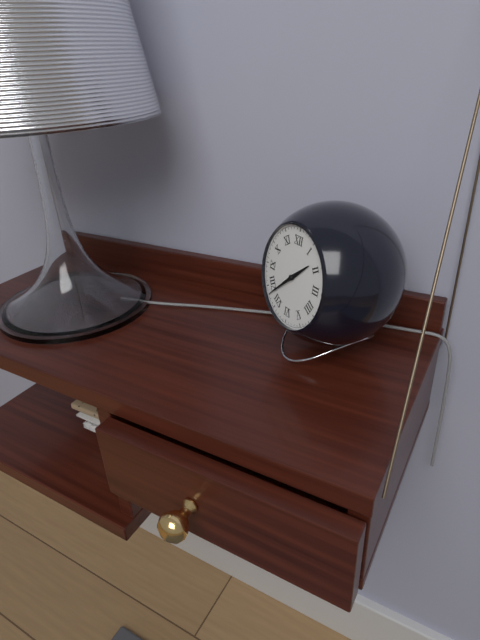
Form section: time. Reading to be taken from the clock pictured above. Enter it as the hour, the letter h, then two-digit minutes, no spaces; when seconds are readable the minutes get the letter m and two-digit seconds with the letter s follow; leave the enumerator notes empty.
1h38
